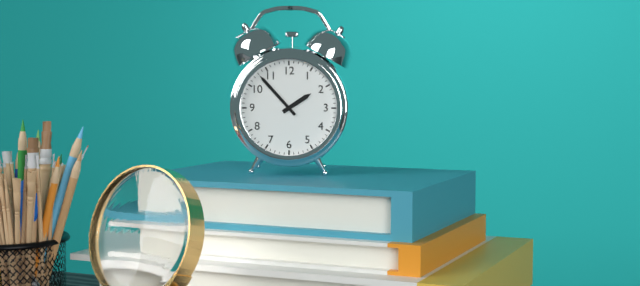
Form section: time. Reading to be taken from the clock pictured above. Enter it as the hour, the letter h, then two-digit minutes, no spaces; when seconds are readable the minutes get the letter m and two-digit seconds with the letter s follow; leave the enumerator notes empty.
1h53
